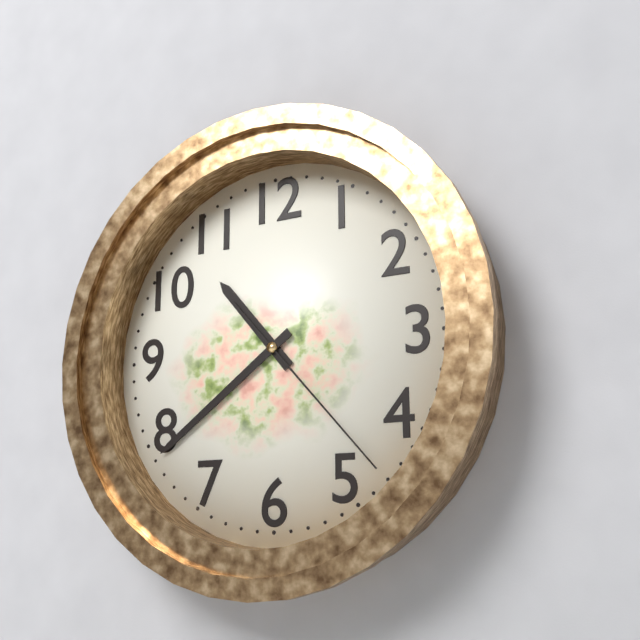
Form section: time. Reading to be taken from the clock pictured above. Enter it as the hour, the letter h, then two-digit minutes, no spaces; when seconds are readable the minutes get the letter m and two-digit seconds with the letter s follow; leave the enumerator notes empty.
10h39m23s
